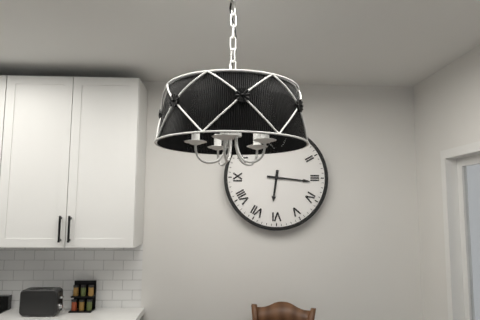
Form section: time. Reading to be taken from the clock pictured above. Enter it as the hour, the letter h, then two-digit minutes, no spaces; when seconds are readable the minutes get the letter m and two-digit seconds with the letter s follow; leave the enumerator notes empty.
6h16
